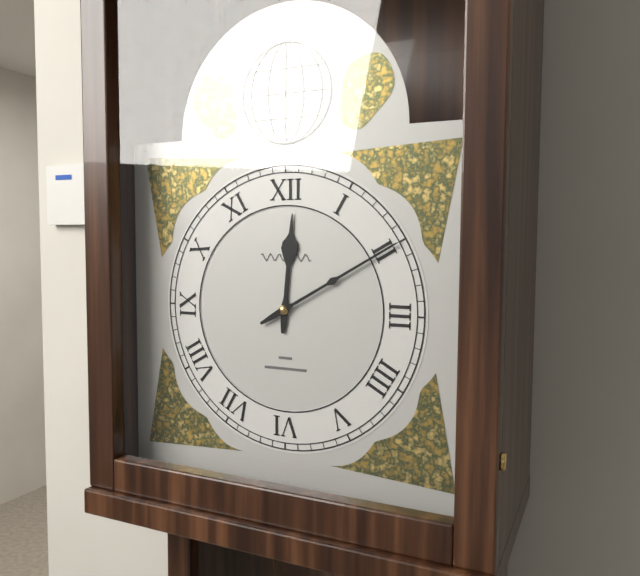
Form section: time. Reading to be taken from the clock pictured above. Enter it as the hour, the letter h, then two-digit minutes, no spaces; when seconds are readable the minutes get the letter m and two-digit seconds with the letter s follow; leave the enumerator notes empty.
12h10
